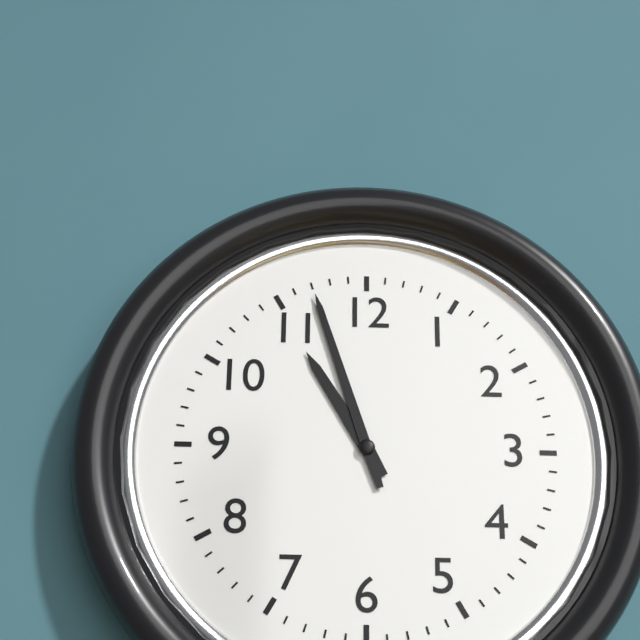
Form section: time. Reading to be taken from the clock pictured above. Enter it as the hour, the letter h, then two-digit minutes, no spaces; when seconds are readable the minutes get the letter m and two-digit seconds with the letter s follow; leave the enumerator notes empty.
10h57
